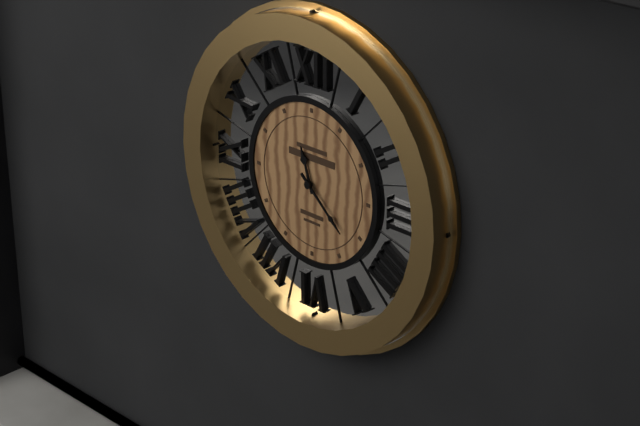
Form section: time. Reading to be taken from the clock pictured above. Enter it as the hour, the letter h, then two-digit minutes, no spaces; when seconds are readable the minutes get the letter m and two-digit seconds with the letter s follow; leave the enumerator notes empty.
11h22
